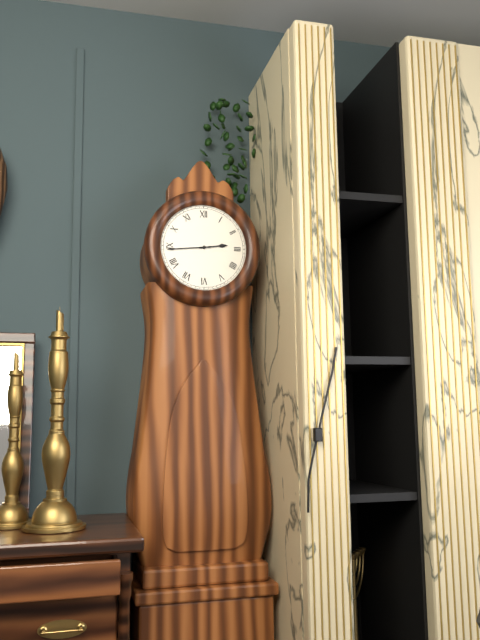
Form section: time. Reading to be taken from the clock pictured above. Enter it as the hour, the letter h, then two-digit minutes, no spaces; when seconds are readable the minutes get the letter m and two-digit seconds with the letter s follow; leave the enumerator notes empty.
2h44
